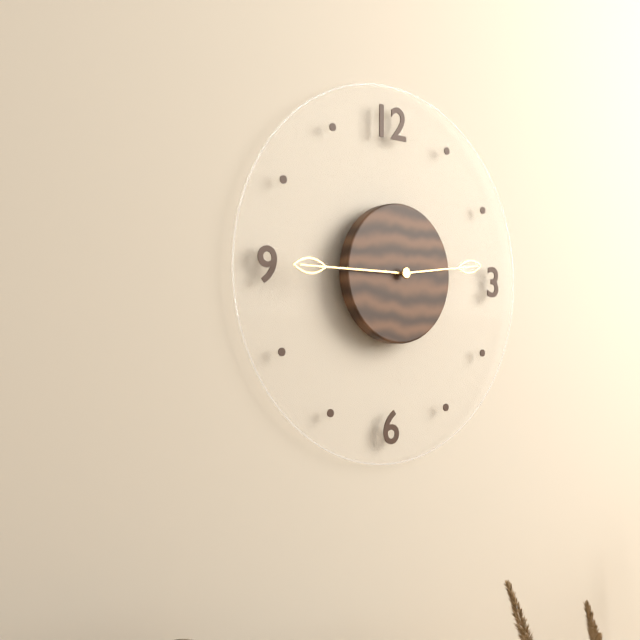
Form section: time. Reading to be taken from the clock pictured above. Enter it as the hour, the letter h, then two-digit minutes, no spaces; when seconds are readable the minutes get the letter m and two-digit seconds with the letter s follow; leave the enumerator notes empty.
2h45
